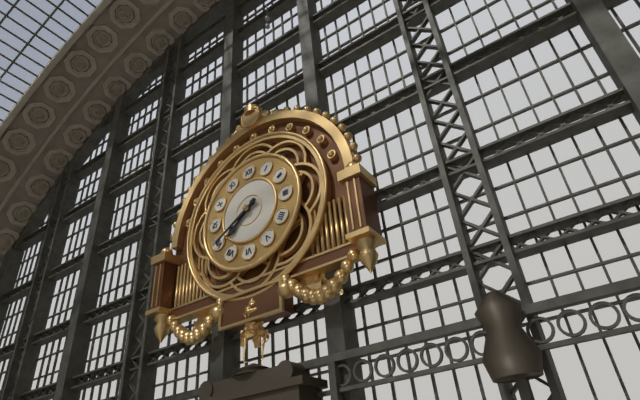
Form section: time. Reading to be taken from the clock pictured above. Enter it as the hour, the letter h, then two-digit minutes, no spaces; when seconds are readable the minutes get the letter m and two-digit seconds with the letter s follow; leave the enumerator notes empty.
7h40
